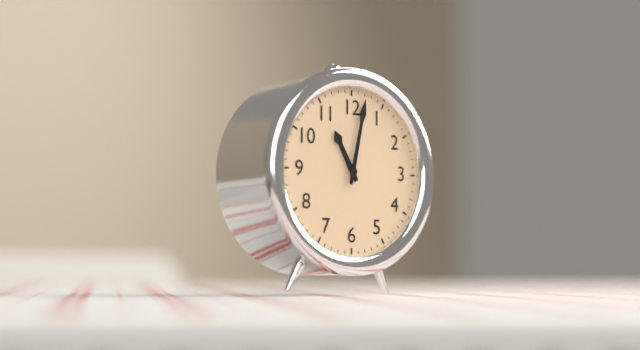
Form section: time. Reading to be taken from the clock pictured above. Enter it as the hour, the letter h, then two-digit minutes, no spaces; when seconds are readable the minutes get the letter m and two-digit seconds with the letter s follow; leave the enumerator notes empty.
11h02
